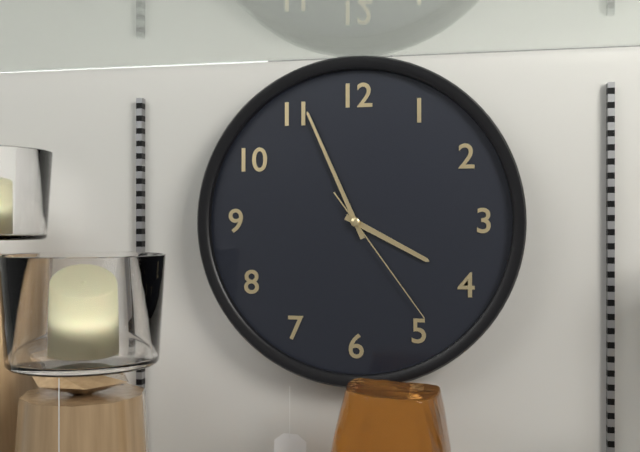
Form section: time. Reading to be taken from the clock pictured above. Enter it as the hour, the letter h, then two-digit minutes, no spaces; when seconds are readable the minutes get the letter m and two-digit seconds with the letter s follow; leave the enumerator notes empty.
3h56m24s
